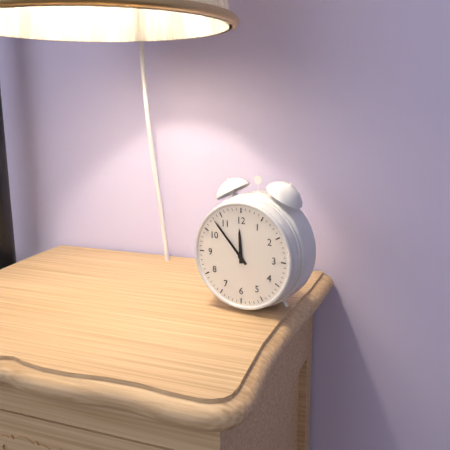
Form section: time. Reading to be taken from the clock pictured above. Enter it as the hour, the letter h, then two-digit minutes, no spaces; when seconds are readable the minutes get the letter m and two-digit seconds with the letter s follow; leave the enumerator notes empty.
11h53
